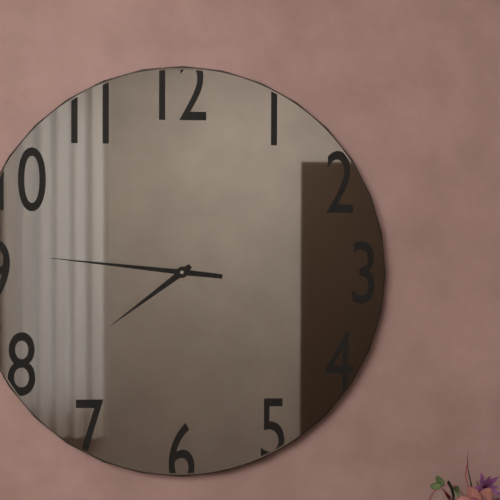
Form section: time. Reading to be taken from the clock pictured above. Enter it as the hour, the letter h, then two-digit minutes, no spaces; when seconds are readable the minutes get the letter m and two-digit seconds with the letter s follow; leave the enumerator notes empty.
7h46
